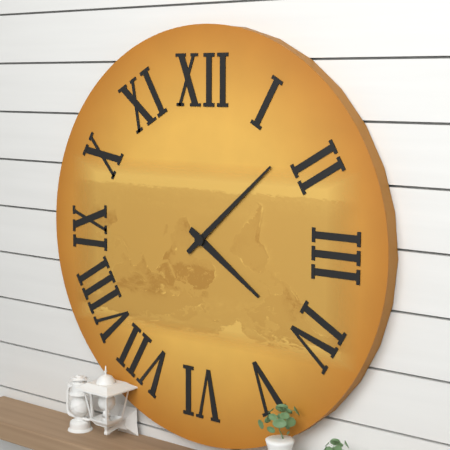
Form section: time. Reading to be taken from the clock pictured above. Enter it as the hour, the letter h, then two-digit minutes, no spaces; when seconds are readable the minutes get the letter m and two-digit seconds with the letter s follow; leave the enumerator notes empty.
4h08
